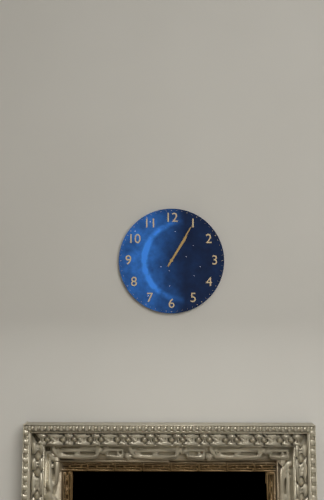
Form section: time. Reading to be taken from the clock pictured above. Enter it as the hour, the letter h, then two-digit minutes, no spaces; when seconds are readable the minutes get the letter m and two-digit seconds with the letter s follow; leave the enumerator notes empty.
1h05
